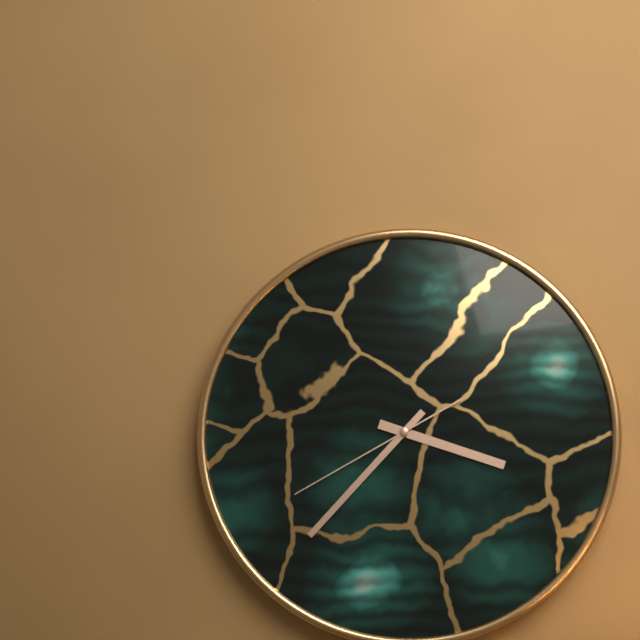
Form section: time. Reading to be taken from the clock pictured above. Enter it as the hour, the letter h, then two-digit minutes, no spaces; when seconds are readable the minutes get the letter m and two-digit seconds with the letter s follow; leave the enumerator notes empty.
3h37m40s
